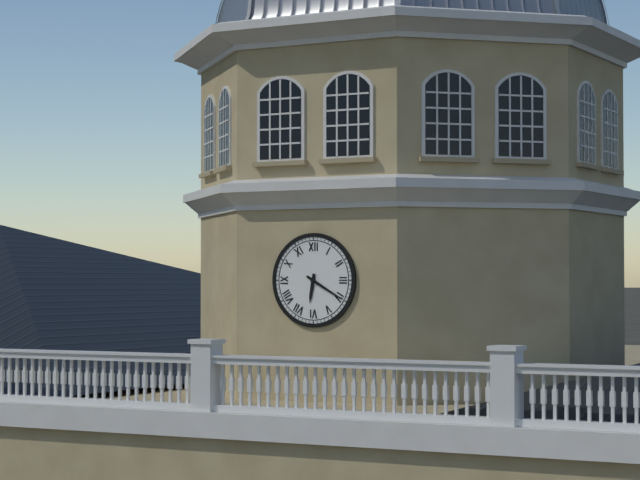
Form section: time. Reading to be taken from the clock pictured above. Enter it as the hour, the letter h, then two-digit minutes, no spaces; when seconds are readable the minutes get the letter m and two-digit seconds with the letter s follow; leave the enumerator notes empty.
6h20
